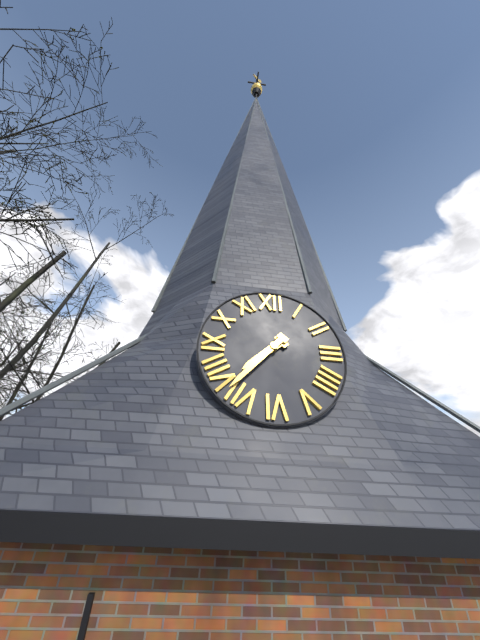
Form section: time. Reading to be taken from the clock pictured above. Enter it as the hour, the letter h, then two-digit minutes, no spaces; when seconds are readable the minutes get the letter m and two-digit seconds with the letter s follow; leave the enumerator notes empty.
7h37
